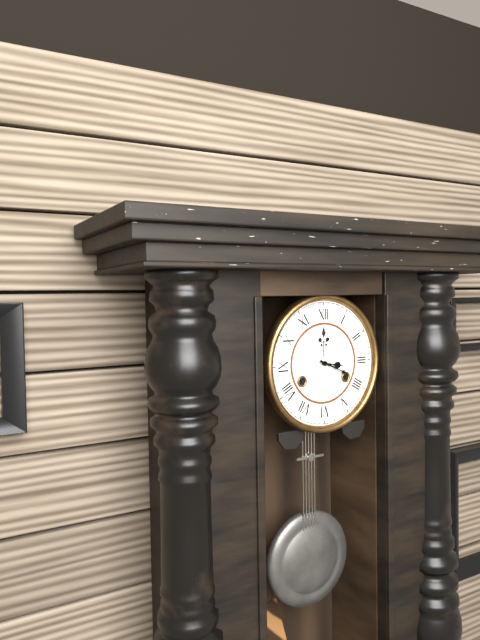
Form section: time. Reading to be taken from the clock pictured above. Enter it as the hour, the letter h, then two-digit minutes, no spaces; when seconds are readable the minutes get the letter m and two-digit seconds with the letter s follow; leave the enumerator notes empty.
3h19
